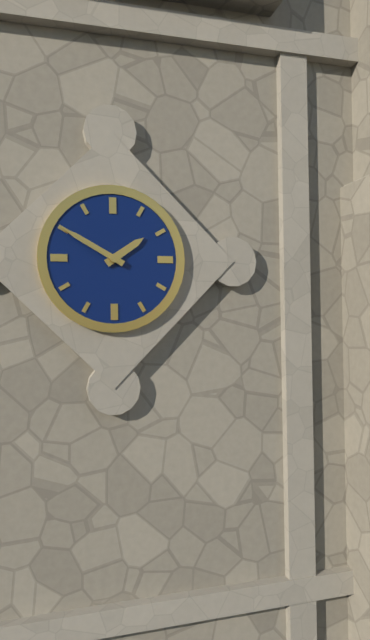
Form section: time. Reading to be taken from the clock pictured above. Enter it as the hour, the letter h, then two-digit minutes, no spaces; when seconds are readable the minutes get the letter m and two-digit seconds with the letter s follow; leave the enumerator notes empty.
1h50
